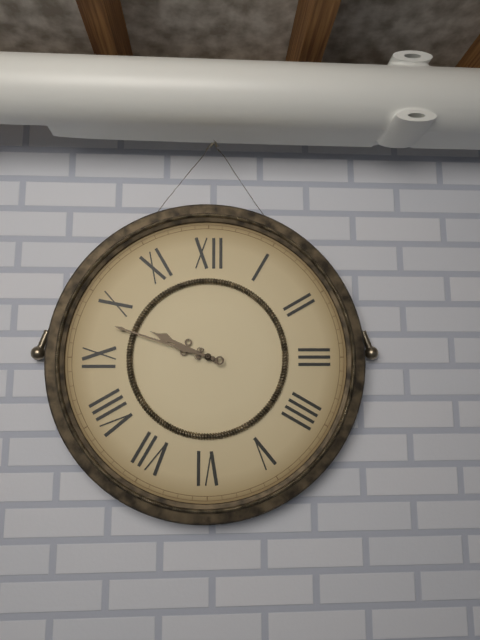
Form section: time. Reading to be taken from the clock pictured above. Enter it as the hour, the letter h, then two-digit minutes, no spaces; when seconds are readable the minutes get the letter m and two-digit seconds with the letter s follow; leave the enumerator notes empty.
9h48
